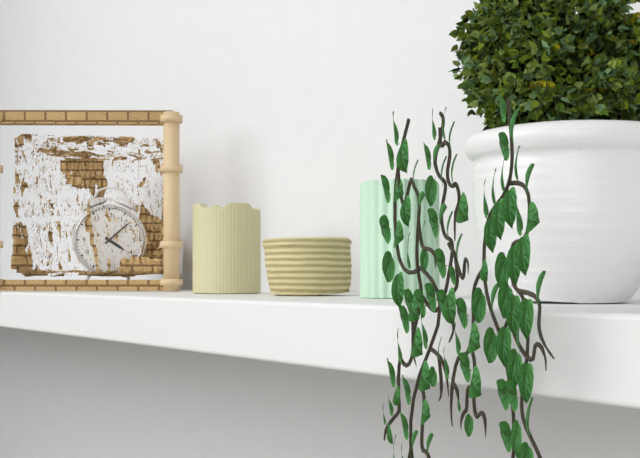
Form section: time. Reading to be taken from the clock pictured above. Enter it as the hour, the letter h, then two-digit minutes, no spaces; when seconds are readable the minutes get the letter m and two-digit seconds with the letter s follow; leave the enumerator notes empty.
4h08
